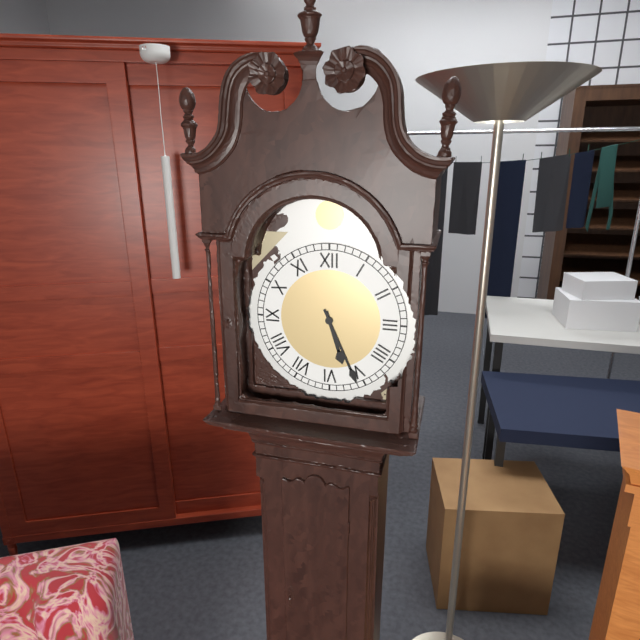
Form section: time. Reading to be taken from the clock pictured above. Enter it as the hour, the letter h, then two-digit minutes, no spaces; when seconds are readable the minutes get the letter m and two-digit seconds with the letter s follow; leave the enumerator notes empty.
5h26
